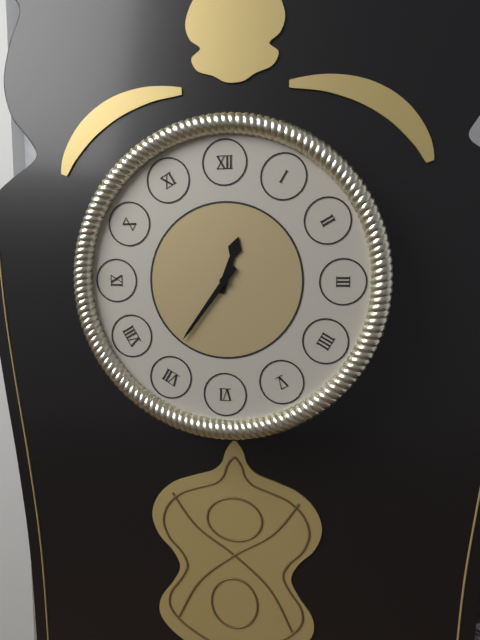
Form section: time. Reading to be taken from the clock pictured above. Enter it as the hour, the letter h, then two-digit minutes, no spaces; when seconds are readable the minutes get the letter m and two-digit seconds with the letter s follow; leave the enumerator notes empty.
12h36
